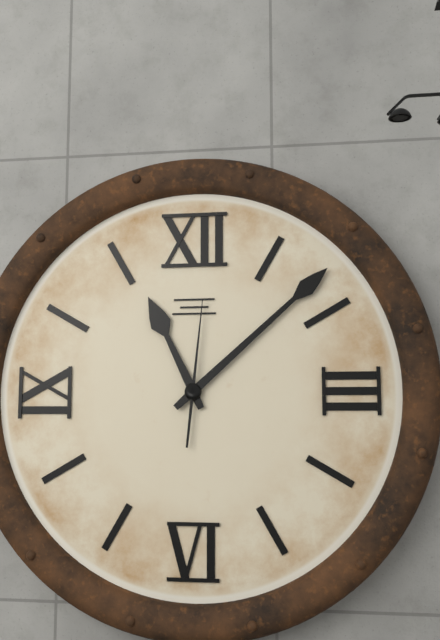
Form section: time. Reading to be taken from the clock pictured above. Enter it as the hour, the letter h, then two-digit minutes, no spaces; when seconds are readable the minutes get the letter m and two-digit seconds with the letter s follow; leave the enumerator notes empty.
11h08m01s
